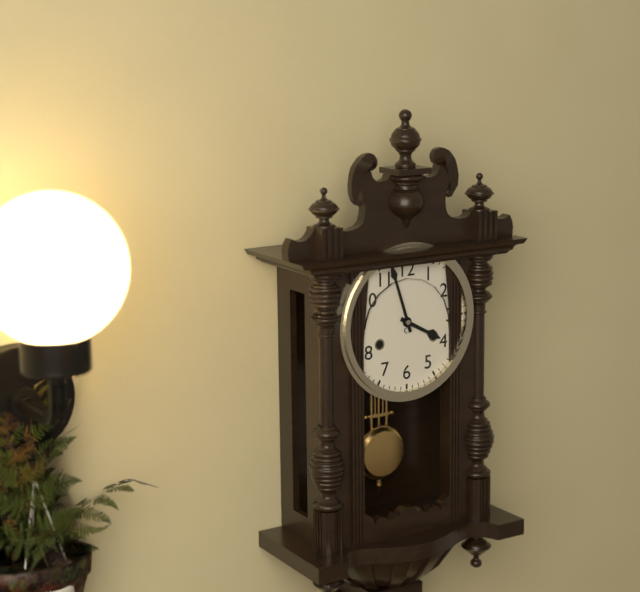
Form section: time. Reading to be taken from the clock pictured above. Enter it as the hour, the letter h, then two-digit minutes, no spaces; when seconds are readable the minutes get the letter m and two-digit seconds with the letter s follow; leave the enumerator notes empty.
3h57
